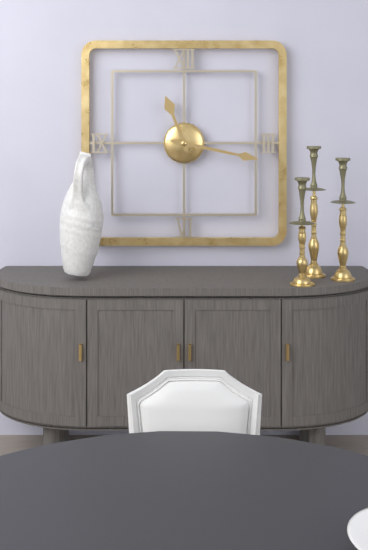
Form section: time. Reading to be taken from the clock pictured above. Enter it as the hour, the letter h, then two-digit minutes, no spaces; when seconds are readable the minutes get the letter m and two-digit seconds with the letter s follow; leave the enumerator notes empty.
11h17
